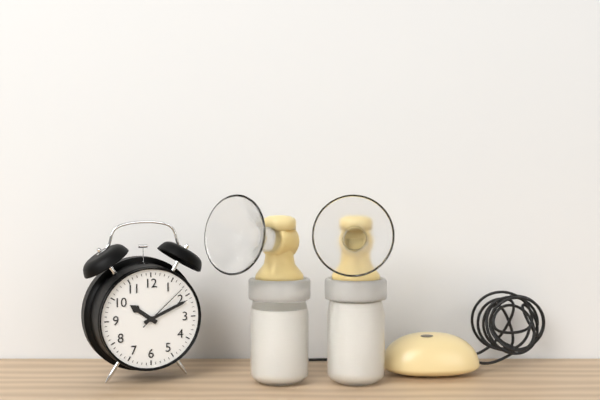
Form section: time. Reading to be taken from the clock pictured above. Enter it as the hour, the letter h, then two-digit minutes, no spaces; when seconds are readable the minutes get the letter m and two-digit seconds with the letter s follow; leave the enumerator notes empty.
10h11m08s
